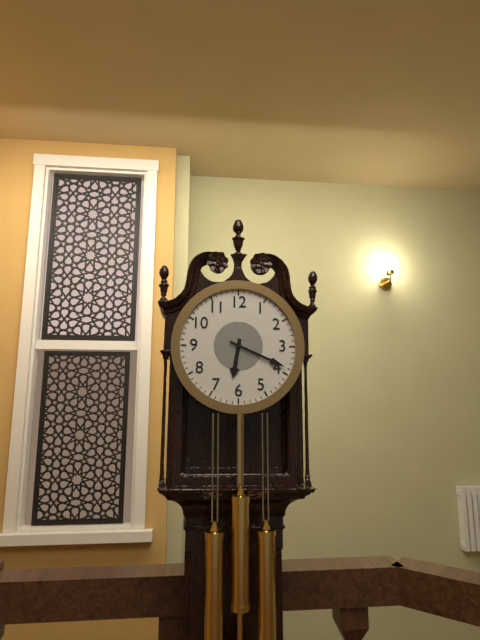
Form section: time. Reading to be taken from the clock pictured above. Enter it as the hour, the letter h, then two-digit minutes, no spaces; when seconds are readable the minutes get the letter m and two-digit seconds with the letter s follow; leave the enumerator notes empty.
6h19
